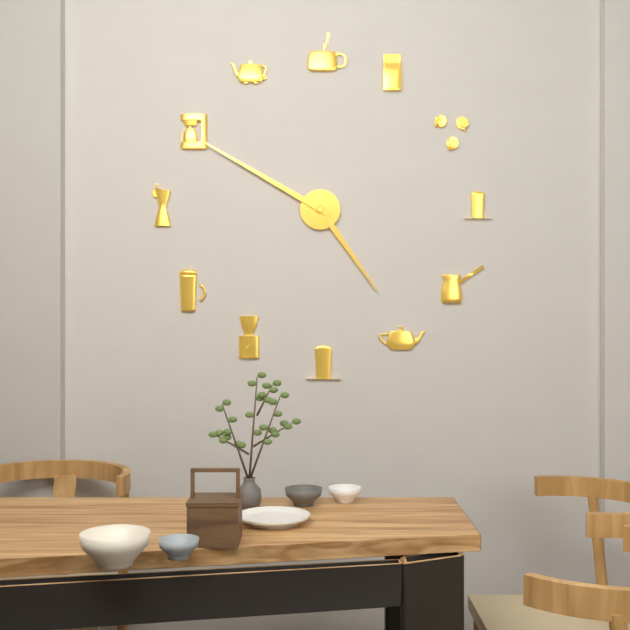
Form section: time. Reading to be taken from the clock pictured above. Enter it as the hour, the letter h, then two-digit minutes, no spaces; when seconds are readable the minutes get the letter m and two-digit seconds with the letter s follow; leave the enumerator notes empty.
4h50
